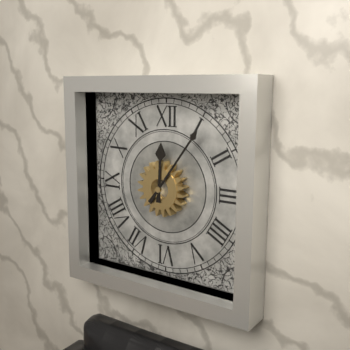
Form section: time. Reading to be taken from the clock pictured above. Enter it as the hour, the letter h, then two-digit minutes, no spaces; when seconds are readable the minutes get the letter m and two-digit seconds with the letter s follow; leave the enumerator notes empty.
12h06
